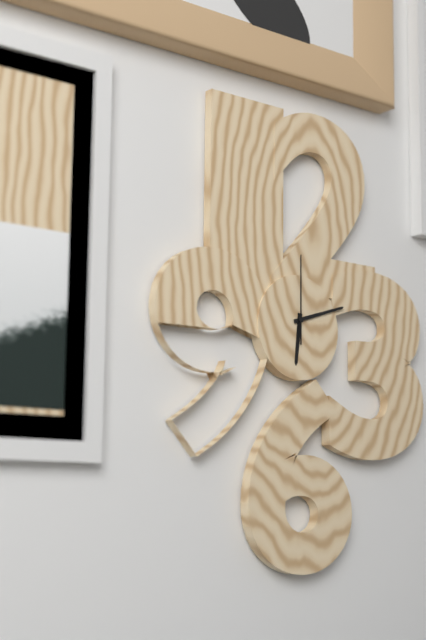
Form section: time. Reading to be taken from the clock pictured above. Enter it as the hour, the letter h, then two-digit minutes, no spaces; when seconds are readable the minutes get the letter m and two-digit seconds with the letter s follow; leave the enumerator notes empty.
6h12m00s
